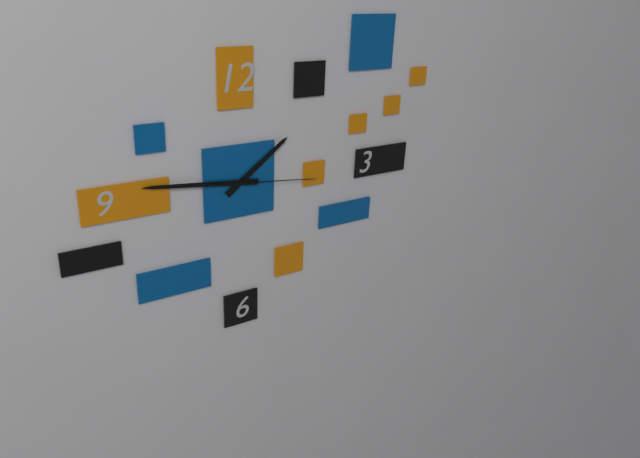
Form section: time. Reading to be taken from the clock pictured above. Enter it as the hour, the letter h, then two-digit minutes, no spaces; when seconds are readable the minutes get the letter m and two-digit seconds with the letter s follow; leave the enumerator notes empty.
1h46m16s
